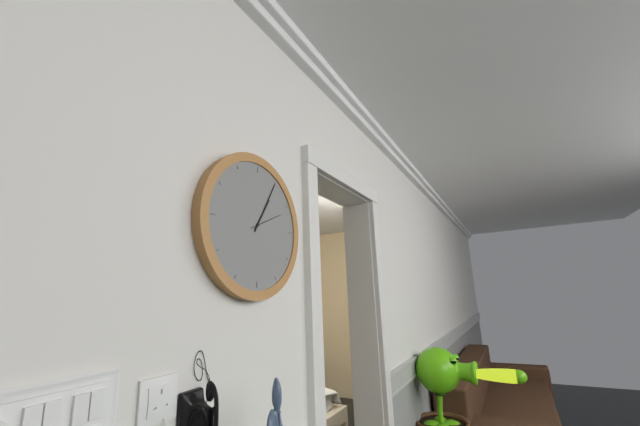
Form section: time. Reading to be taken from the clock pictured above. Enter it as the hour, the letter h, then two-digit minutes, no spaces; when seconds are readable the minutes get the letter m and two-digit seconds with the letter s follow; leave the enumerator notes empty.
1h05
